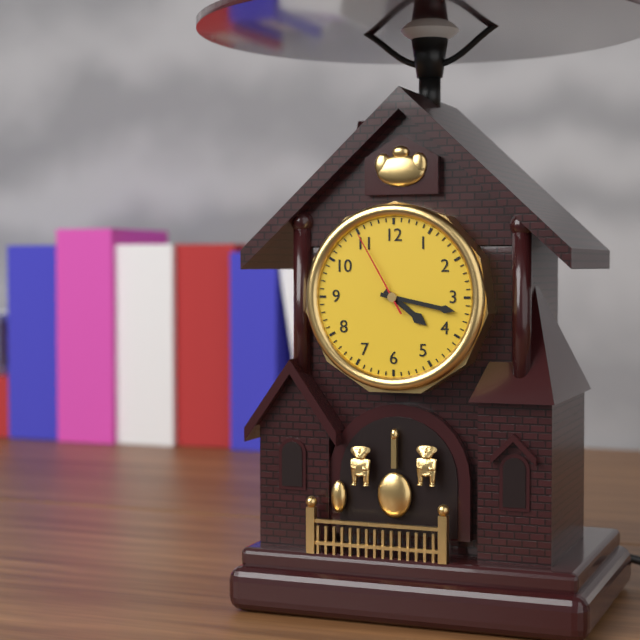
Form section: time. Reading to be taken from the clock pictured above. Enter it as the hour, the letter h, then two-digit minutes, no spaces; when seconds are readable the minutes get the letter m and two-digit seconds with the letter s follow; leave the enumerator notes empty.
4h17m55s
